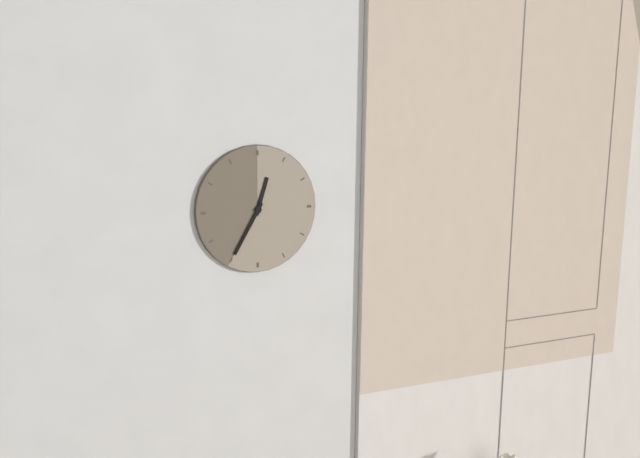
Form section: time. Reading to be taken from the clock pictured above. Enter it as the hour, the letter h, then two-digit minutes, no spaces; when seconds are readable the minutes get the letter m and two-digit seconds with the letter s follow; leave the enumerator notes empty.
12h35
